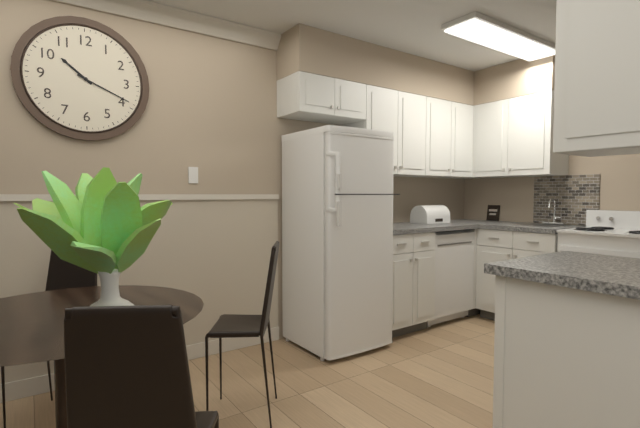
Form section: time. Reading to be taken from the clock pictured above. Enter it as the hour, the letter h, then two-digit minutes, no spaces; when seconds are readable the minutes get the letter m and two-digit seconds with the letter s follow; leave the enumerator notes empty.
10h19
